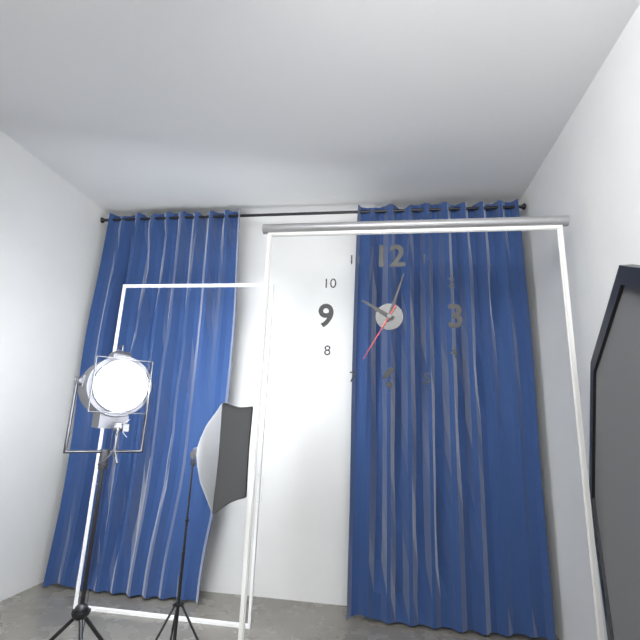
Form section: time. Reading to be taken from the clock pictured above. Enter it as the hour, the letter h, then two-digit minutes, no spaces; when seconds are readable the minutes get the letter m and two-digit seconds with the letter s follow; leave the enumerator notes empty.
10h03m35s
